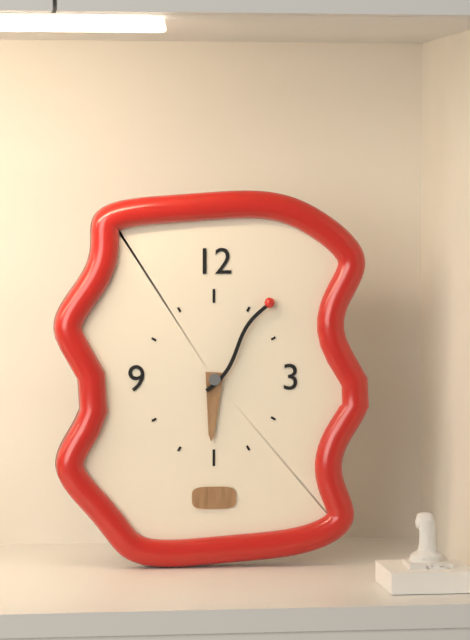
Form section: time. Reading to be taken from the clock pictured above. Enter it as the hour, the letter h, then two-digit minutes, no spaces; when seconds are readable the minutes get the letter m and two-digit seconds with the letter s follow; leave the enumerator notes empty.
6h06
